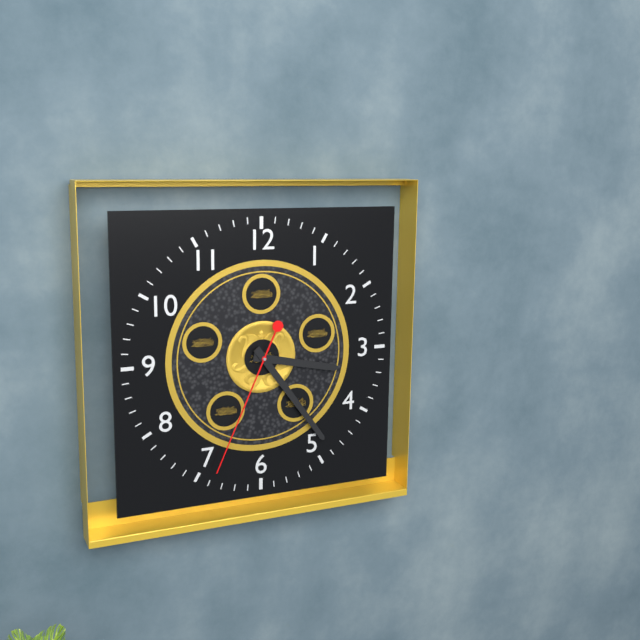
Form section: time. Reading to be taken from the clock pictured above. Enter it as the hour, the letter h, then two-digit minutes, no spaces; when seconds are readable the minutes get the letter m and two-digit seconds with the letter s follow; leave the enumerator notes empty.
3h24m34s
